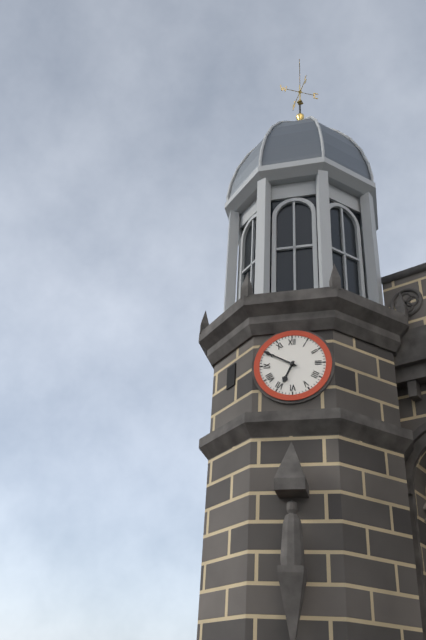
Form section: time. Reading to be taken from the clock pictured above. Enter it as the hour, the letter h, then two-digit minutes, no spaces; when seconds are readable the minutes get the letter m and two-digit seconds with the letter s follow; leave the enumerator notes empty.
6h50
